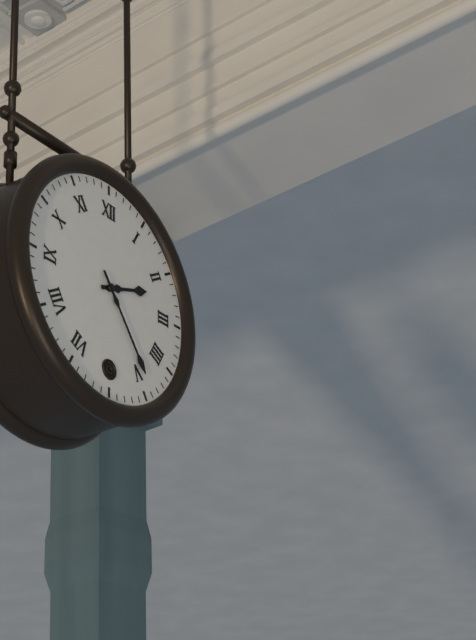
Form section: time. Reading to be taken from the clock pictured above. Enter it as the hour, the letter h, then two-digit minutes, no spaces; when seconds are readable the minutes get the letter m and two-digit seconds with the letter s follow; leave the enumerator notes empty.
2h24
